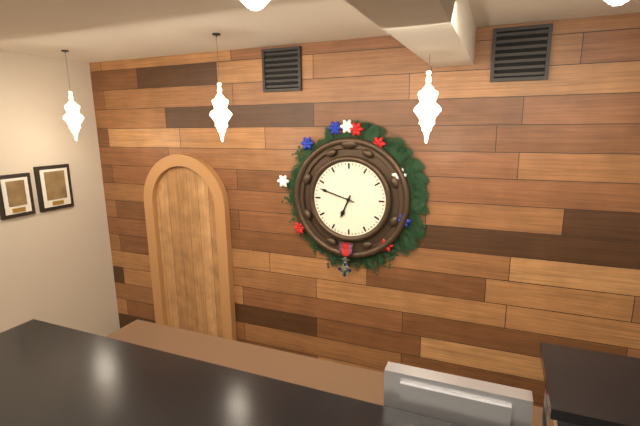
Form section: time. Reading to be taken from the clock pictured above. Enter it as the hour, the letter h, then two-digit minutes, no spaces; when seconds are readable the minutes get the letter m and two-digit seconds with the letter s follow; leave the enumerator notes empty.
6h48
